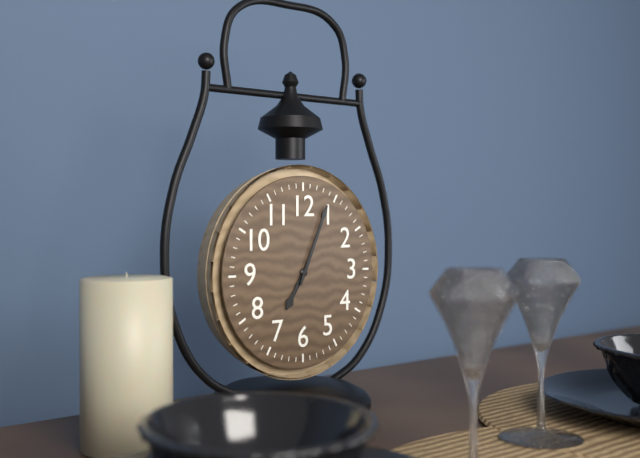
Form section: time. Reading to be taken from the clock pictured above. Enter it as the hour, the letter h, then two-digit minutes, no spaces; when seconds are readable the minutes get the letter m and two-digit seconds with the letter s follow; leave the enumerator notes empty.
7h04
